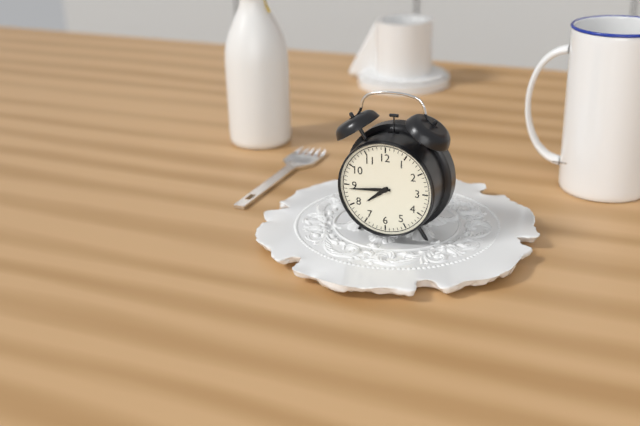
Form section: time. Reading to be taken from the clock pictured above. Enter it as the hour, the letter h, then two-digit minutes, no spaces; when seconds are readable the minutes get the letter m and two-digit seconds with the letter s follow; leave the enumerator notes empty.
7h44
